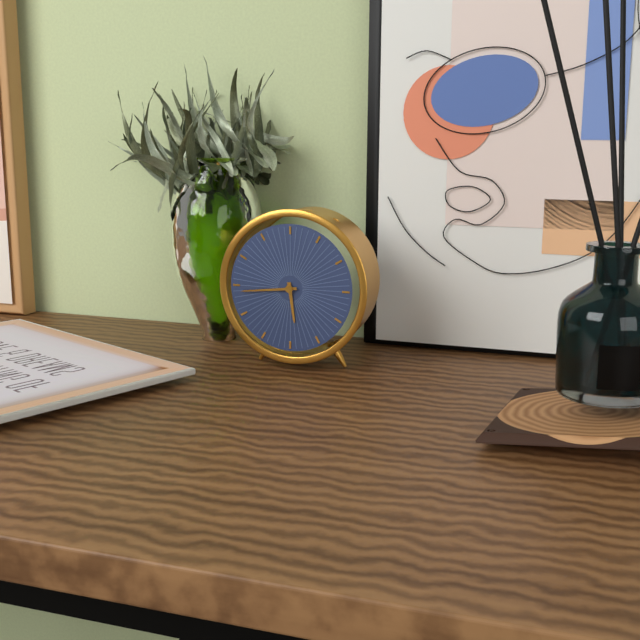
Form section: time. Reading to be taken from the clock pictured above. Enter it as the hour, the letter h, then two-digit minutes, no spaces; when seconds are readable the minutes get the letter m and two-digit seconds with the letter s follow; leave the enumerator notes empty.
5h44
